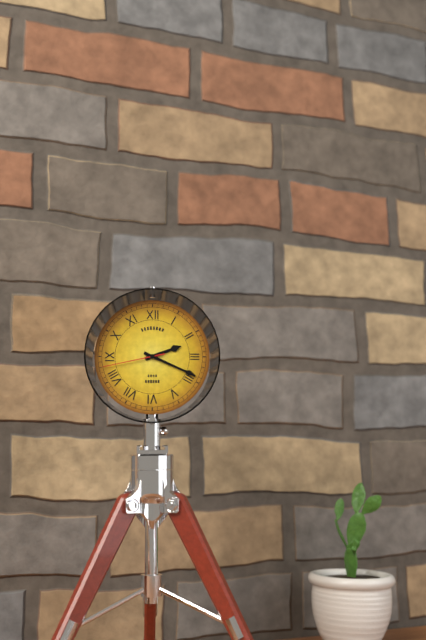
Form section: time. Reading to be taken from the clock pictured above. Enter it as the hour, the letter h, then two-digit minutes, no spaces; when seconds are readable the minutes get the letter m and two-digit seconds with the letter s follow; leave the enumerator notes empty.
2h19m43s
